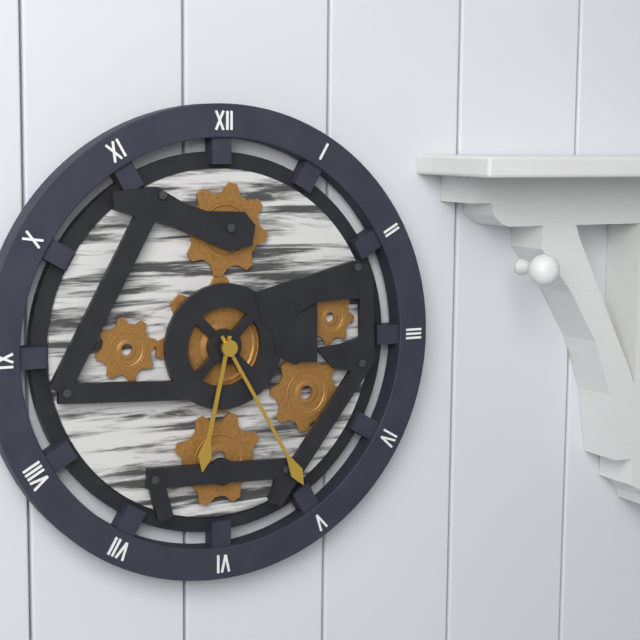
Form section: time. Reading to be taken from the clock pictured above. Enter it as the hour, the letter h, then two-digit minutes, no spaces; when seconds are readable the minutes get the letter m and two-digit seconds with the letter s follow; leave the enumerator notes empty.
6h25
